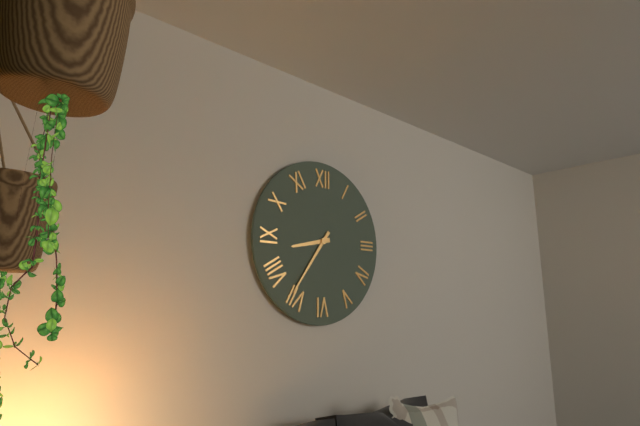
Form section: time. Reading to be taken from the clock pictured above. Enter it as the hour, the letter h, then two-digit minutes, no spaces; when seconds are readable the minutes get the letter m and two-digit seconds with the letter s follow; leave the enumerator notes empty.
8h36
